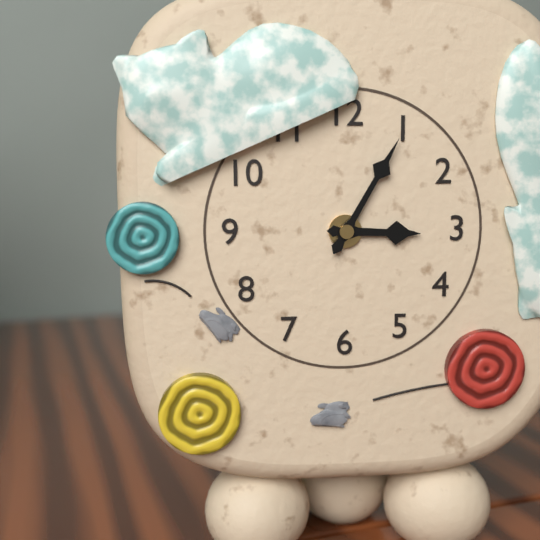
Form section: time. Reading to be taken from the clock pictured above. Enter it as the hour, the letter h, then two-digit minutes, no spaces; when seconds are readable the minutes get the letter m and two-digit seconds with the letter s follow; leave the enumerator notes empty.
3h05
